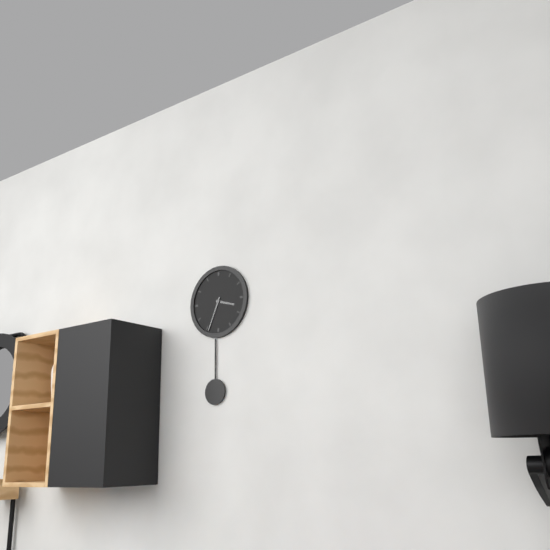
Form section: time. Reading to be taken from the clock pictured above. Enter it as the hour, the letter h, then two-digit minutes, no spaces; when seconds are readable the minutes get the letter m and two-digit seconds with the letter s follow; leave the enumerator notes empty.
3h34
